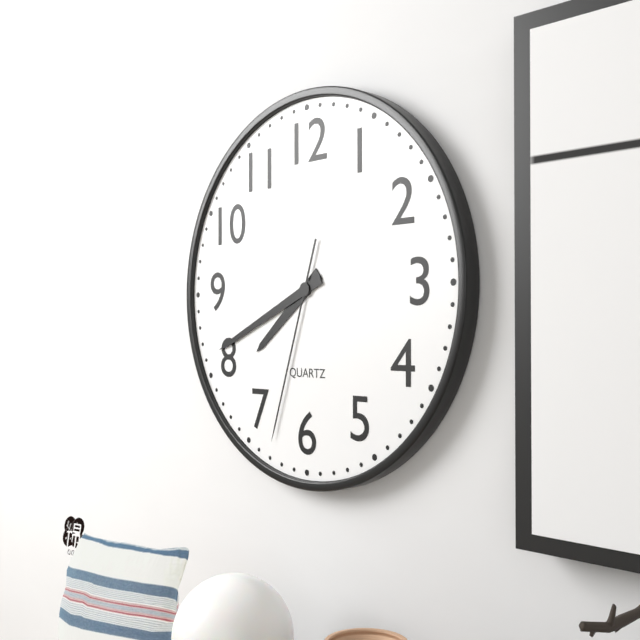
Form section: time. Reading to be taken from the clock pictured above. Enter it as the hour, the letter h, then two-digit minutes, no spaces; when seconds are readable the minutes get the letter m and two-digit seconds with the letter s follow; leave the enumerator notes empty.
7h41m33s
